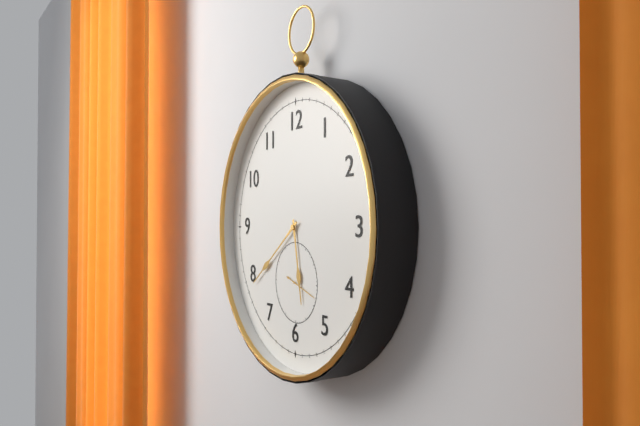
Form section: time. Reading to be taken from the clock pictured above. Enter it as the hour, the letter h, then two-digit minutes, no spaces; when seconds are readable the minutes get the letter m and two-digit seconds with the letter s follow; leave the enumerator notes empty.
5h39
